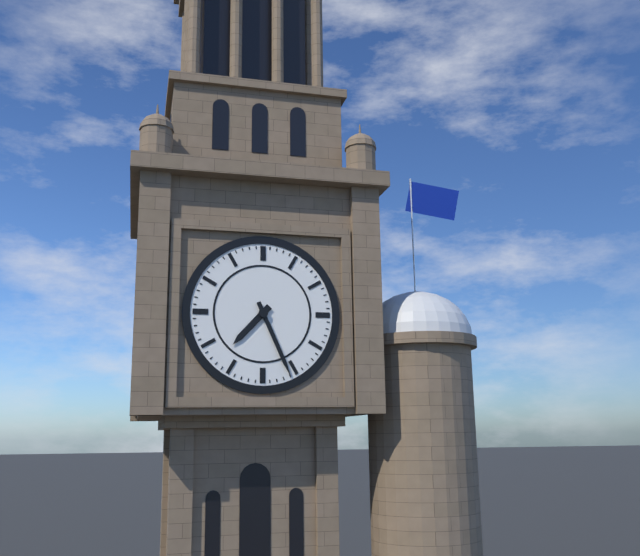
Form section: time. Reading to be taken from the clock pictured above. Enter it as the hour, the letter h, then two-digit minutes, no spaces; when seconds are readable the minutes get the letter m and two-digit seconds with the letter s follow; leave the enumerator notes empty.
7h26
